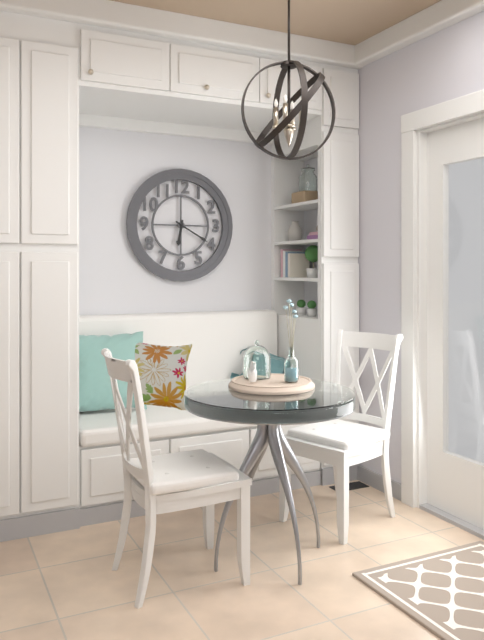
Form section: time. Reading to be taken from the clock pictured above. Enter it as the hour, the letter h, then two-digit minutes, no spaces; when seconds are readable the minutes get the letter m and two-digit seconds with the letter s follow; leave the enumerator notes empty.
6h20
